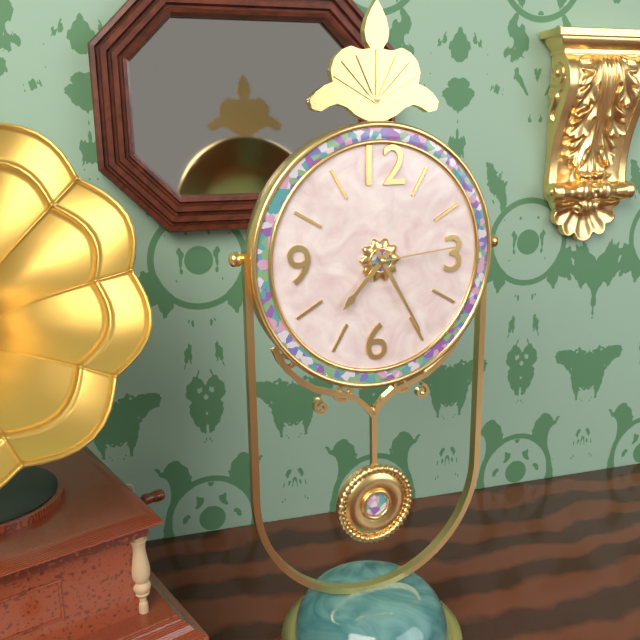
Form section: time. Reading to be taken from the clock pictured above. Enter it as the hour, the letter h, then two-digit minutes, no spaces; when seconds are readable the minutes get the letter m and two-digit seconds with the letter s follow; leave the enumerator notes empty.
7h25m14s
